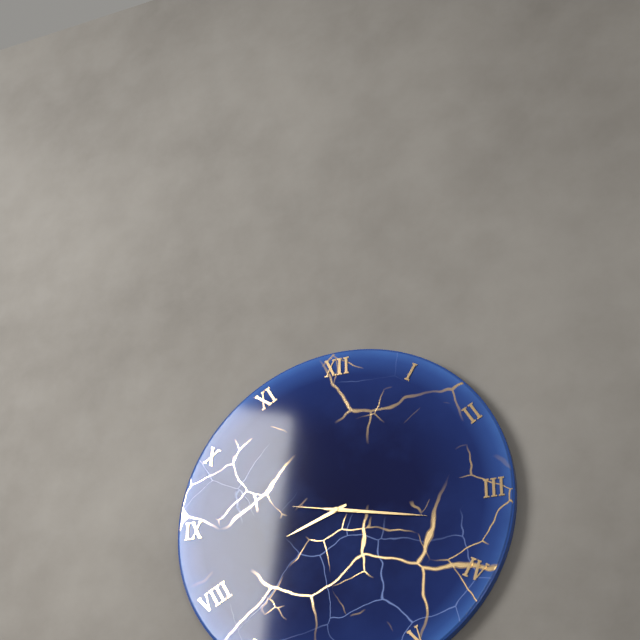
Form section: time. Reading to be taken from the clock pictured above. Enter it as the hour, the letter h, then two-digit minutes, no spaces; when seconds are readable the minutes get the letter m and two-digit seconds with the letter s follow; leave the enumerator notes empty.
8h17m47s
